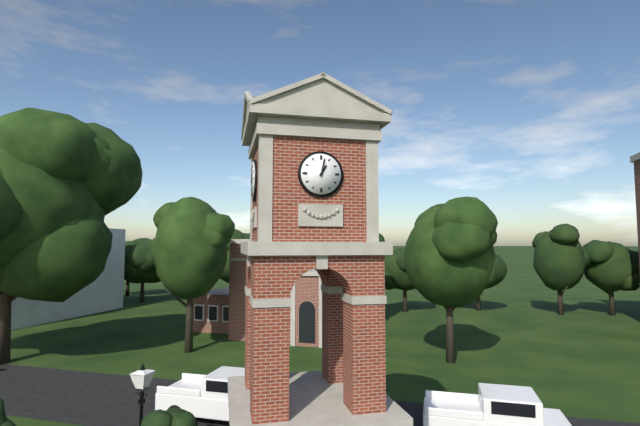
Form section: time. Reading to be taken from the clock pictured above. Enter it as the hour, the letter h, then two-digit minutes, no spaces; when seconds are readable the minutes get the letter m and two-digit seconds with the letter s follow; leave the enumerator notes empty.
1h02
